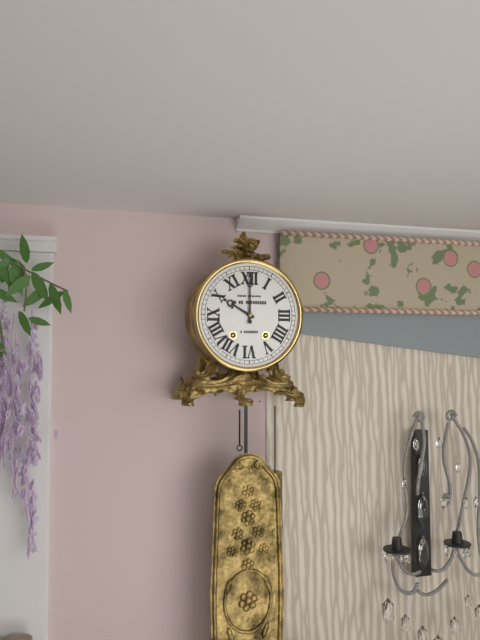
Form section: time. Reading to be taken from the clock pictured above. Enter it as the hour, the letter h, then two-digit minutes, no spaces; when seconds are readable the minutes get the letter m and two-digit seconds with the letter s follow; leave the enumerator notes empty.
10h00
